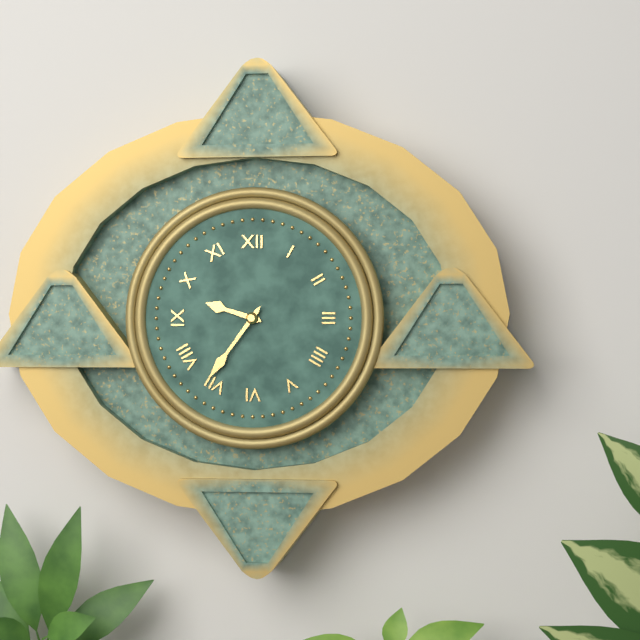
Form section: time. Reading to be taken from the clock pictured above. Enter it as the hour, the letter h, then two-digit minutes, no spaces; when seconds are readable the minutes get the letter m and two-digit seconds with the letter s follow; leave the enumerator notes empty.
9h36
